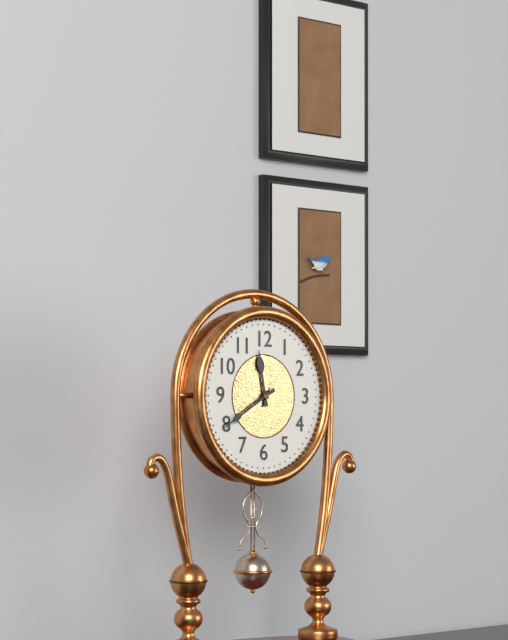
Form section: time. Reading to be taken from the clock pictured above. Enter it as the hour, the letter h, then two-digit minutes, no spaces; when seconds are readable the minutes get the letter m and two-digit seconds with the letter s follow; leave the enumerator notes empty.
11h40
